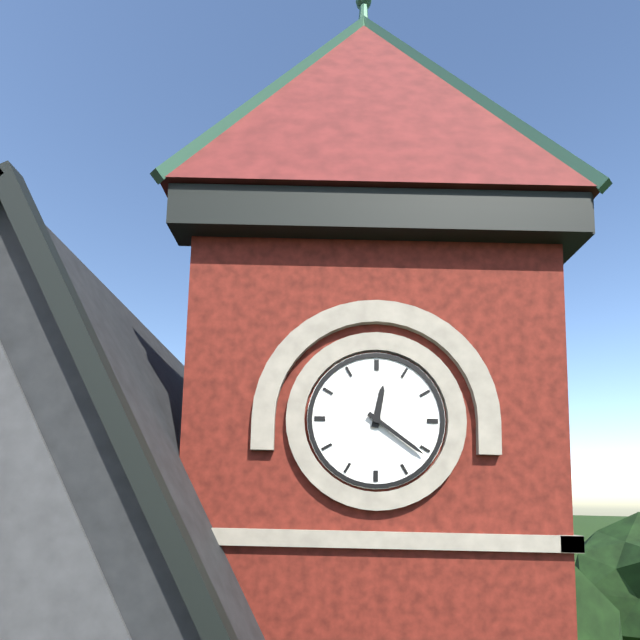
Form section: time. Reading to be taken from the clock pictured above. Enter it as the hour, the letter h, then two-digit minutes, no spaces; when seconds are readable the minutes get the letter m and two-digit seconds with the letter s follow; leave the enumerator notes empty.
12h21
